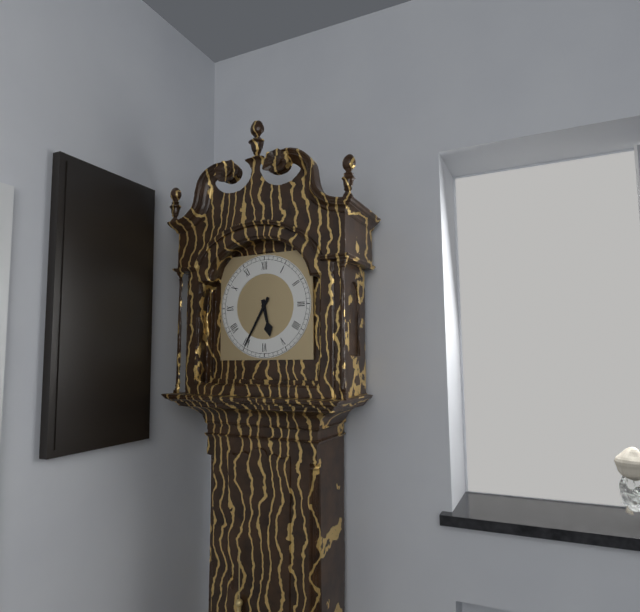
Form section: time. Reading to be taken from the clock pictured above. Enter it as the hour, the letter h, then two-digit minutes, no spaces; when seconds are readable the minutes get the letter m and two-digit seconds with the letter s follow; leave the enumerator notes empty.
5h35
